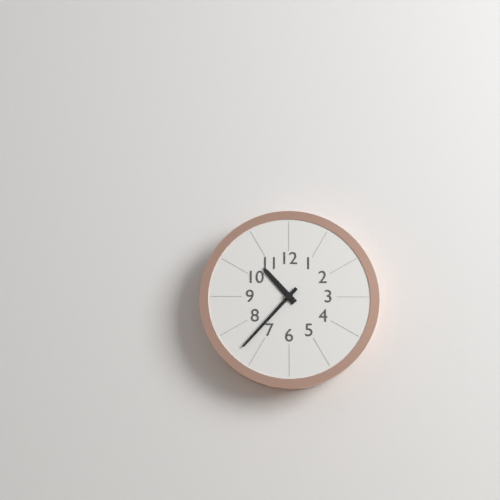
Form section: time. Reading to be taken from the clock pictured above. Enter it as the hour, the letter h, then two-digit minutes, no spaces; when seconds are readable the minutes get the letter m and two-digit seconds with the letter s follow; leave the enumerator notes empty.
10h37
